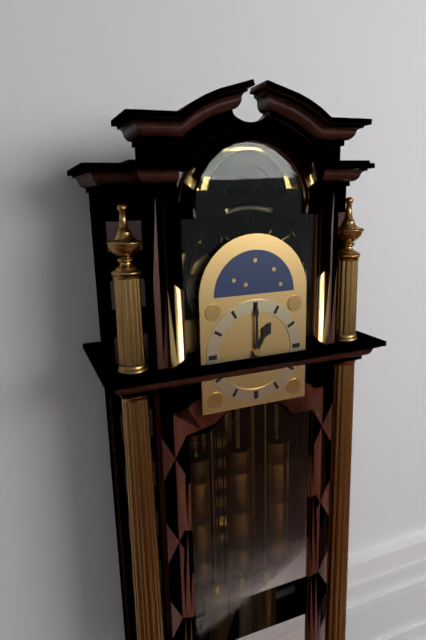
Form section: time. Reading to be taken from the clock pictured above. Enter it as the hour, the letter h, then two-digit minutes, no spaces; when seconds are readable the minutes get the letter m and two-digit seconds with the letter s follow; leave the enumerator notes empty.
1h00
